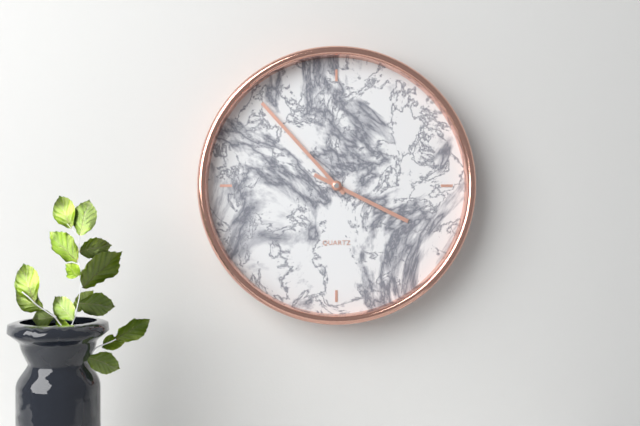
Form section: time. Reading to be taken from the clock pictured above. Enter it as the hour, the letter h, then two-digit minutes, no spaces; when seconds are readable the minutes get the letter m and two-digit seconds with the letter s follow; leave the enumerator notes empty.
3h53
